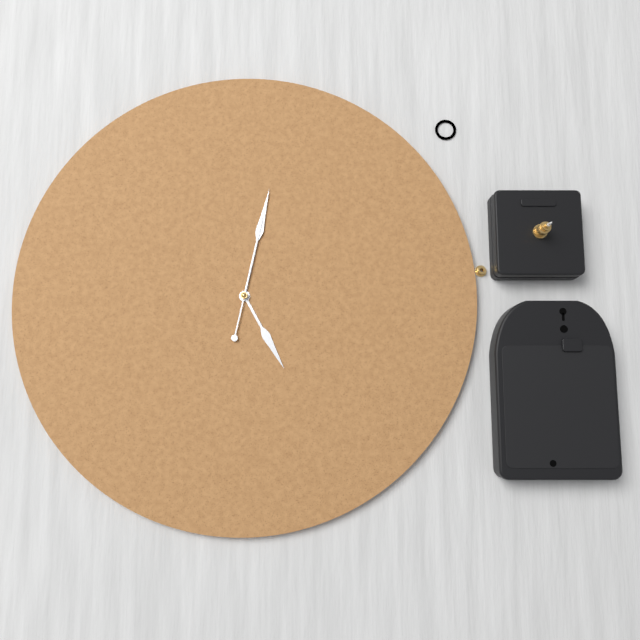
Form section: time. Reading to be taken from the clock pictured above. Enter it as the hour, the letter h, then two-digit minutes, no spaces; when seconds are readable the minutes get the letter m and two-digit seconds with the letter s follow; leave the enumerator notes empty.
5h02m02s
